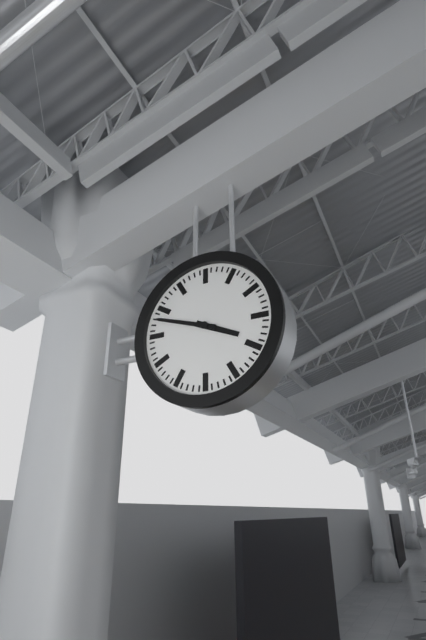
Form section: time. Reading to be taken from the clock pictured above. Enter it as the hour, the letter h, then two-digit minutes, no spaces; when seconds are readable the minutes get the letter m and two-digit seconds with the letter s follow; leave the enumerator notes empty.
3h48
